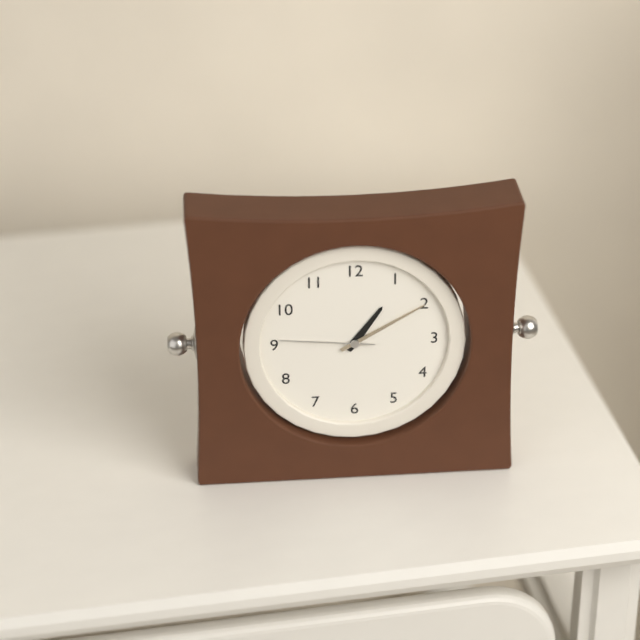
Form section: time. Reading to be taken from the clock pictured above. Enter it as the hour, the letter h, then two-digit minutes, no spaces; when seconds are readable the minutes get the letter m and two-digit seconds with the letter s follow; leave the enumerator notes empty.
1h10m46s
